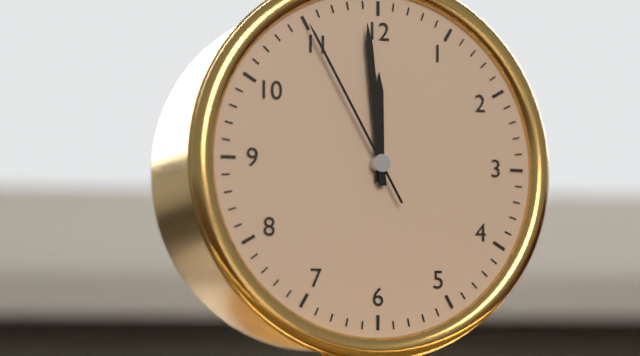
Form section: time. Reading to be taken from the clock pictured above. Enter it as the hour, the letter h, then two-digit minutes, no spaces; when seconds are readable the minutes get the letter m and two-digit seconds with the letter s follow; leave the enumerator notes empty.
11h59m55s
